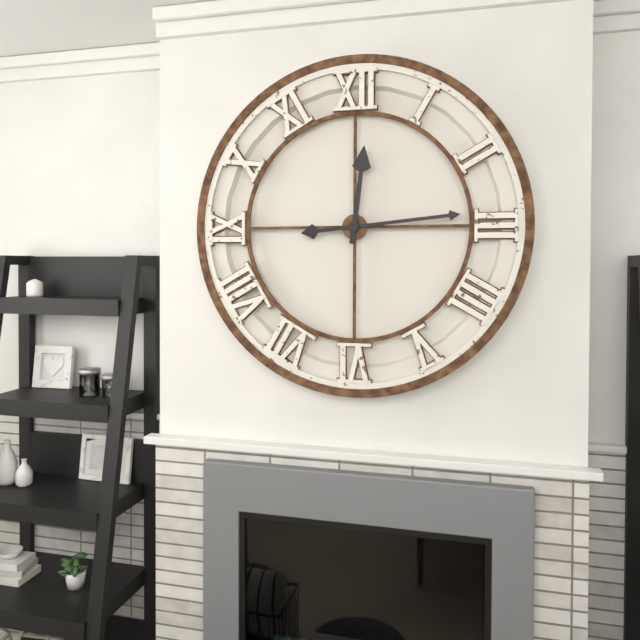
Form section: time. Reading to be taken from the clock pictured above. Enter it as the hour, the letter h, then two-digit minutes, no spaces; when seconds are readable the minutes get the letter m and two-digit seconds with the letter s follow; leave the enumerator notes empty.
12h14
